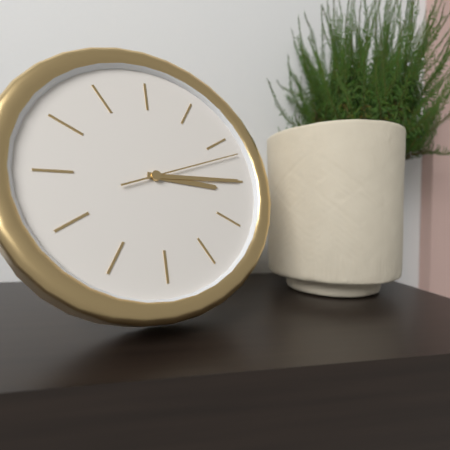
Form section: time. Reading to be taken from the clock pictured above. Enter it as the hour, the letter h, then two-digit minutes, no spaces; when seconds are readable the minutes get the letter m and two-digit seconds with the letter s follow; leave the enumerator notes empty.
3h15m12s
